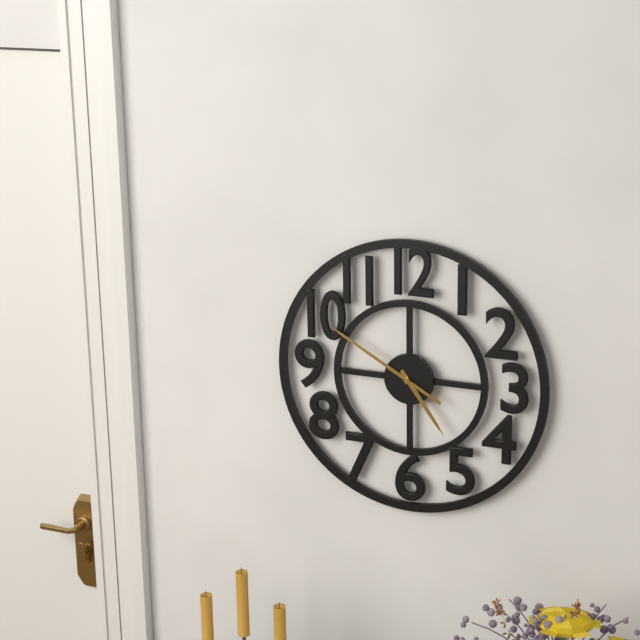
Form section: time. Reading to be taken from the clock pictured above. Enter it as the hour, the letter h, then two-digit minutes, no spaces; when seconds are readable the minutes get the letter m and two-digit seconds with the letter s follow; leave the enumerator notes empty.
4h50
